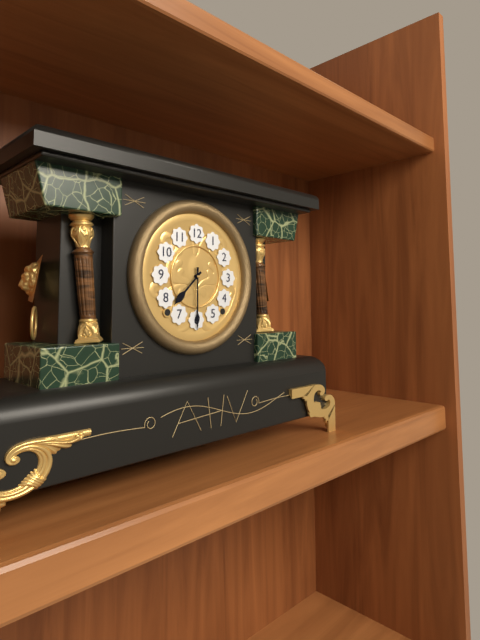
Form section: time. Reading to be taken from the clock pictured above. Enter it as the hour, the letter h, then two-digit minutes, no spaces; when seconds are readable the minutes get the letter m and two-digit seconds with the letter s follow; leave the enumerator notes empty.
7h30
